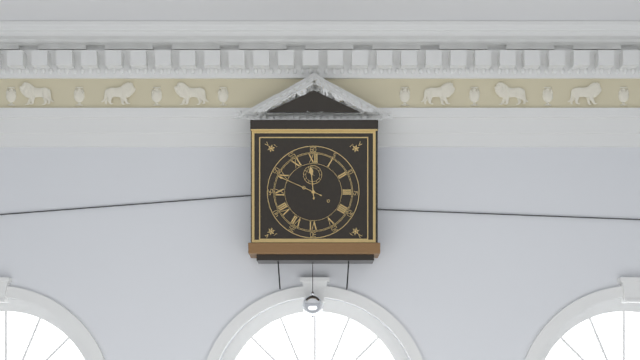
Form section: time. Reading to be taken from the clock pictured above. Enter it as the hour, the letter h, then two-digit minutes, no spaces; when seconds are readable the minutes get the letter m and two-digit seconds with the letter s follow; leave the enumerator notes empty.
11h49
